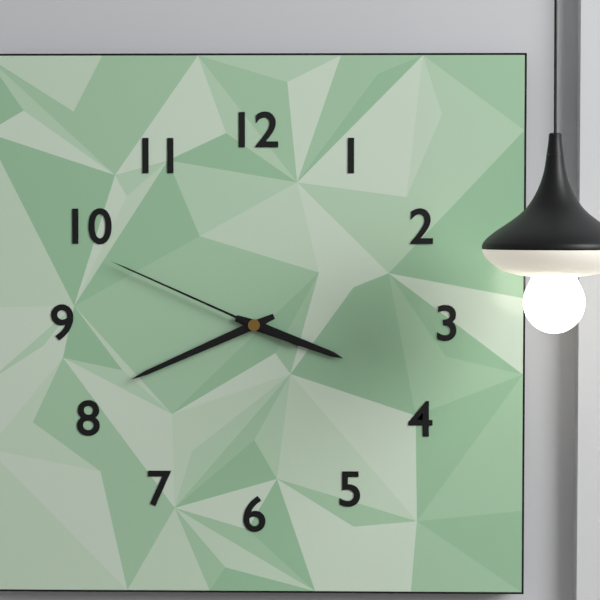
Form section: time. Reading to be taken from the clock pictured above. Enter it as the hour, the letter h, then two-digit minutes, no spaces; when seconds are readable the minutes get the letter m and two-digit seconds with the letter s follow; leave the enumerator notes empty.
3h41m49s
